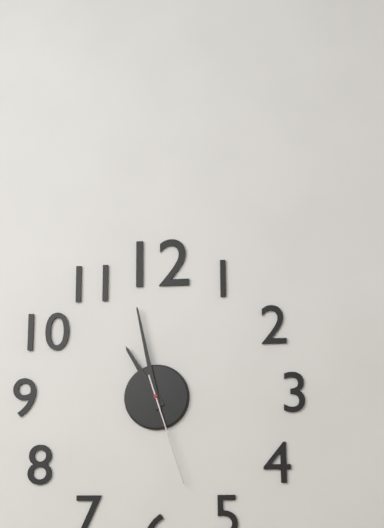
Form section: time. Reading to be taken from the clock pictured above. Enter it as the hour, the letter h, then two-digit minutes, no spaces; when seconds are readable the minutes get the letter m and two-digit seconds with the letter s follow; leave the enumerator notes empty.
10h58m27s
